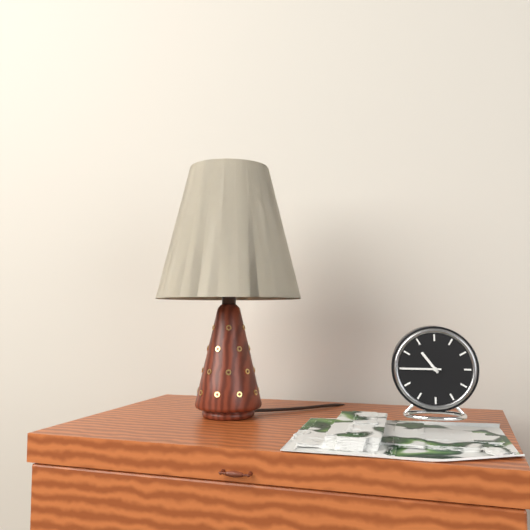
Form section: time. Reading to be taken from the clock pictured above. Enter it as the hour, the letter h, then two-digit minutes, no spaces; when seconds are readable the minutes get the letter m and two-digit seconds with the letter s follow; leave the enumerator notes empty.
10h45
